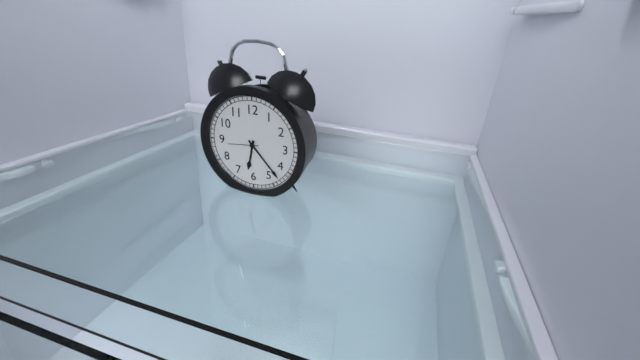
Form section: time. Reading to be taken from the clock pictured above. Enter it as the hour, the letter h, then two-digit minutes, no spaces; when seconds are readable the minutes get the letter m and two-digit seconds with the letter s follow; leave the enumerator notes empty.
6h23
